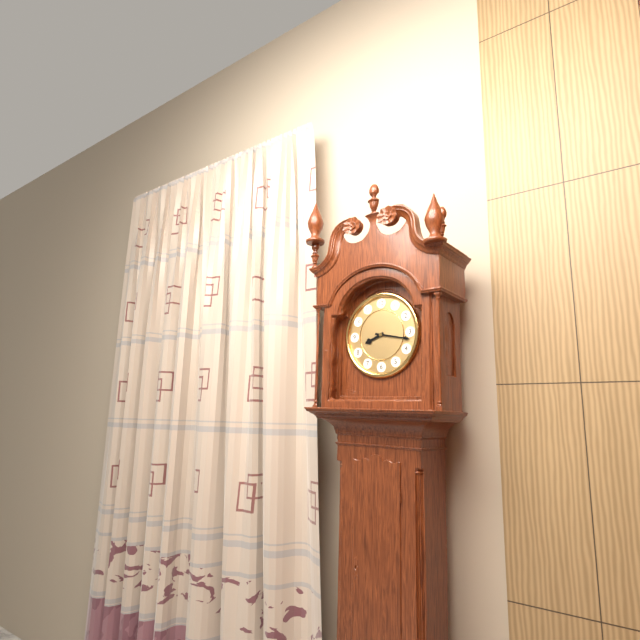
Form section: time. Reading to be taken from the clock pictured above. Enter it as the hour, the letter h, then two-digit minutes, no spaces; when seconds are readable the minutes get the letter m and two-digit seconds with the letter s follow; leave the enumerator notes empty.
8h17
